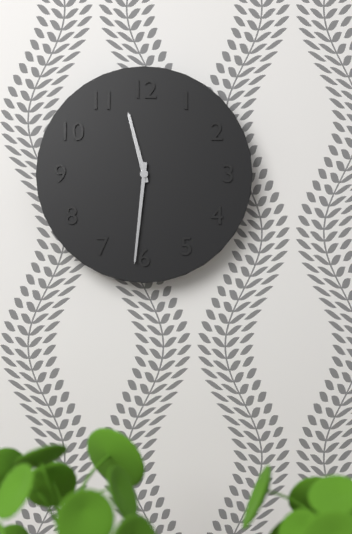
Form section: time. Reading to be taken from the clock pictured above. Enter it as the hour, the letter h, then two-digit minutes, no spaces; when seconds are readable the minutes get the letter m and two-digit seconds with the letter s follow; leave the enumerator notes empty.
11h31
